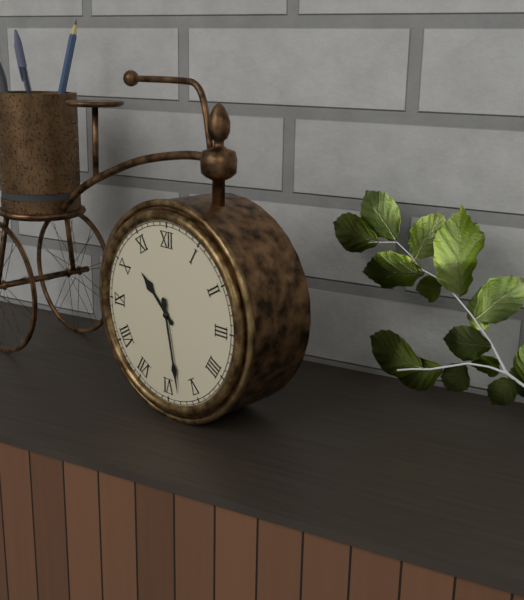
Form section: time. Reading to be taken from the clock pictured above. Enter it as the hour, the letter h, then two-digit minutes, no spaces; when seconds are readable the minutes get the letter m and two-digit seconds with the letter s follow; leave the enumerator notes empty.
10h28
